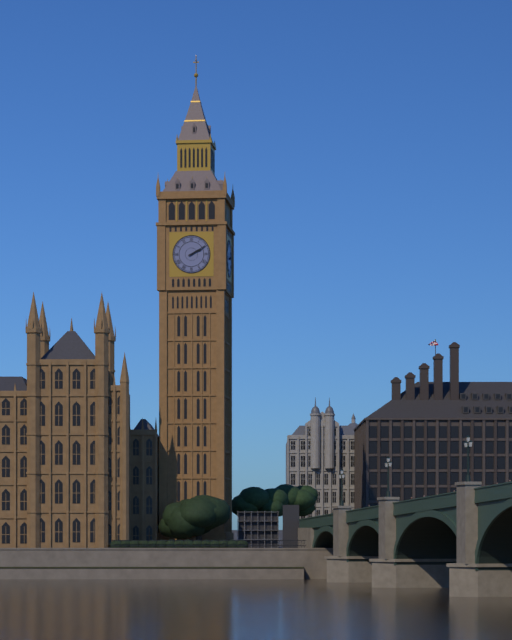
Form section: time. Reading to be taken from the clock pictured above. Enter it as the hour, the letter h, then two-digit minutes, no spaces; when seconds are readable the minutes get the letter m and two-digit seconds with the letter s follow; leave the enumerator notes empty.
2h10
